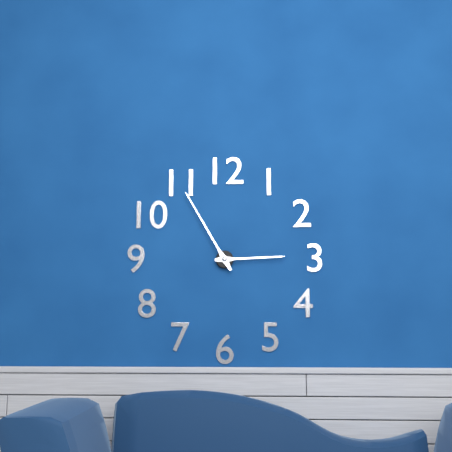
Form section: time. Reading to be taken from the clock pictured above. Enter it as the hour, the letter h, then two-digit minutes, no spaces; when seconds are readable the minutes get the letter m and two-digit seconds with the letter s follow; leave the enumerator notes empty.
2h55
